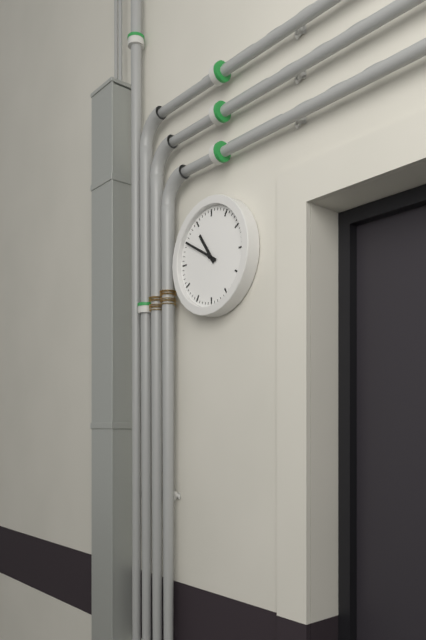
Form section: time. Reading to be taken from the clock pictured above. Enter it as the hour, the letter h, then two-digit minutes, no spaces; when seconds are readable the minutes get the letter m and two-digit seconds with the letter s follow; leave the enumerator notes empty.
10h50
